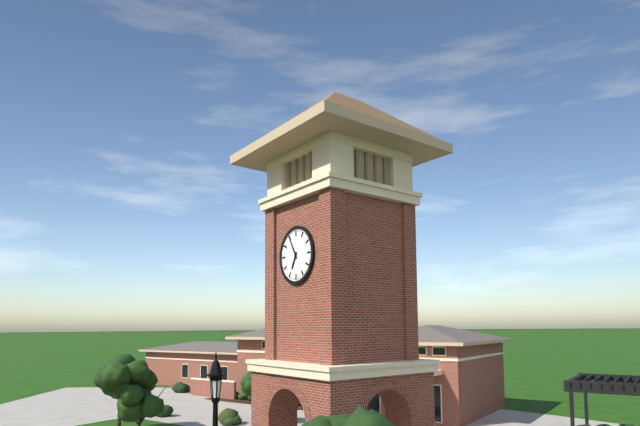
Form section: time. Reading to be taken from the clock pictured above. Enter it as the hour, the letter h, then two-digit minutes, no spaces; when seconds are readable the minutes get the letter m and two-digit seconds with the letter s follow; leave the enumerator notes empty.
6h55
